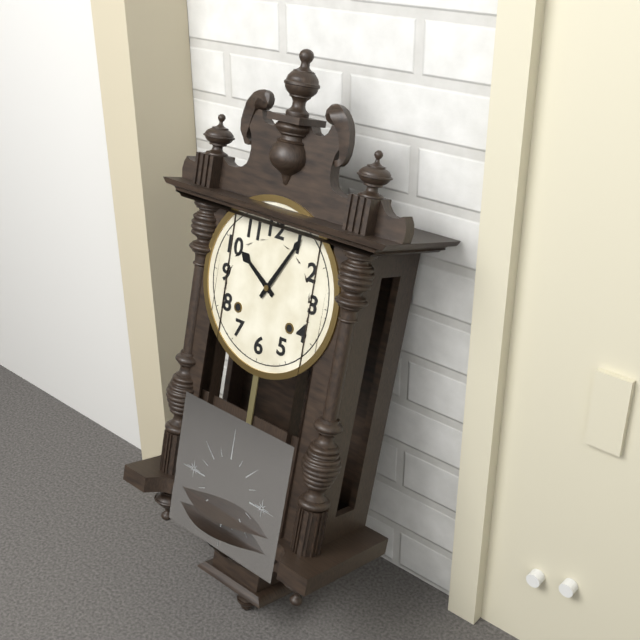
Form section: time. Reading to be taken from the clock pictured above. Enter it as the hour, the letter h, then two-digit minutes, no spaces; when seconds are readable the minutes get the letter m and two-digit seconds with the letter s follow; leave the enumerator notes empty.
10h05
